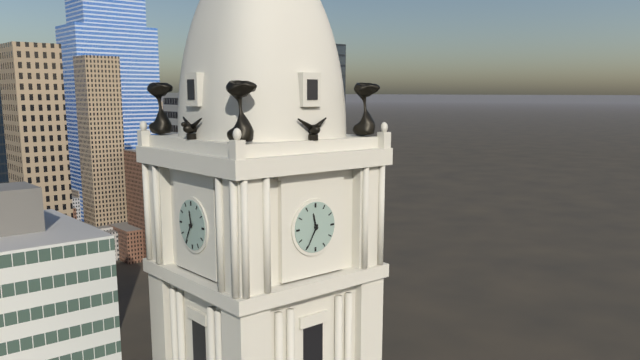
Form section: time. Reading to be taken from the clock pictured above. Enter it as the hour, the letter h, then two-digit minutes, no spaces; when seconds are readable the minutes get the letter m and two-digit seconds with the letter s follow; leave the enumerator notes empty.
11h35
